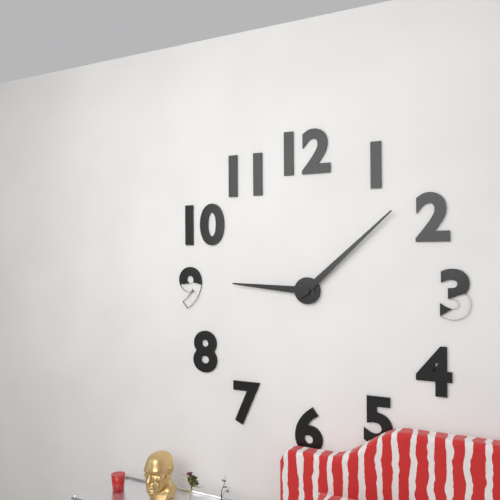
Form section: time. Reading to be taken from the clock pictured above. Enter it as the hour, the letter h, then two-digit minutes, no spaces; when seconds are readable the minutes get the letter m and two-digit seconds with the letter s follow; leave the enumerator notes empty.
9h08
